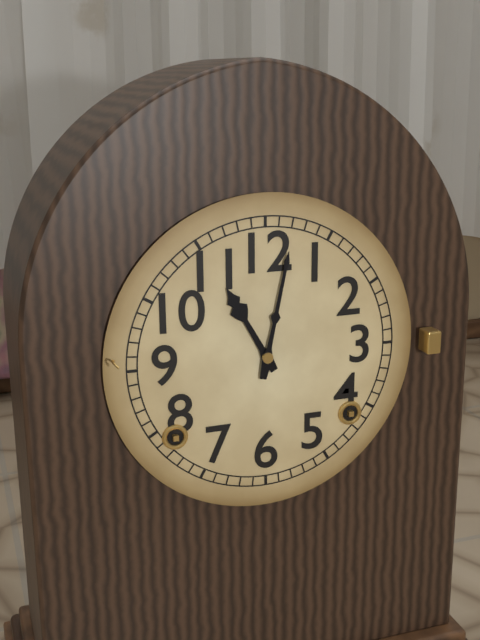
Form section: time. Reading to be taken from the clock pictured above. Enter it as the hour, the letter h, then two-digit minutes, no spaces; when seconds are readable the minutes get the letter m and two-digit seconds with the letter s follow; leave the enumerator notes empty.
11h02
